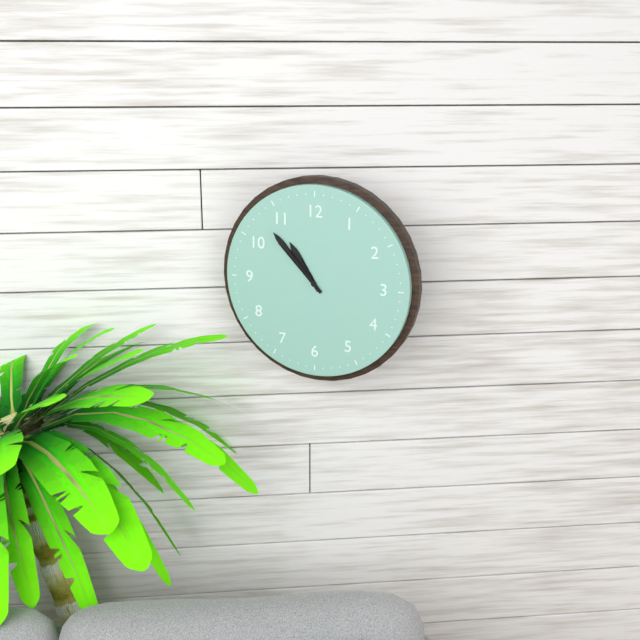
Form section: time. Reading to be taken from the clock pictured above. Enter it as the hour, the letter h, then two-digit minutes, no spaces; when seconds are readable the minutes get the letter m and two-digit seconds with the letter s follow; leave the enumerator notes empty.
10h53
